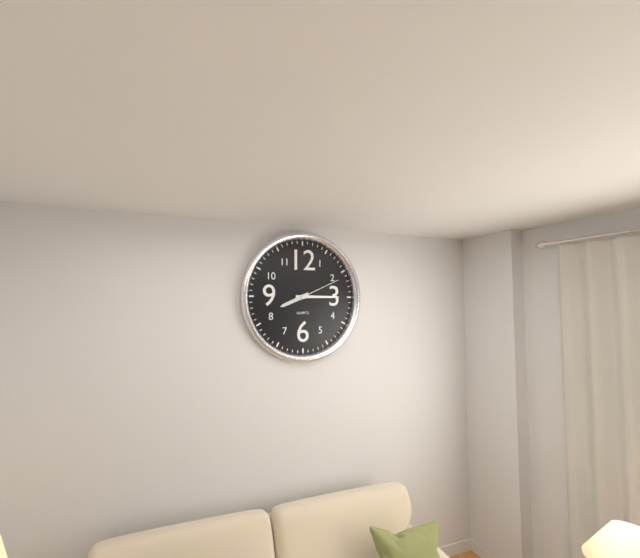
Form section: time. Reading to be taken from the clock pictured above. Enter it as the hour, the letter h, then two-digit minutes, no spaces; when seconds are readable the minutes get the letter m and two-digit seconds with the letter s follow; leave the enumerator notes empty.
8h15m11s
